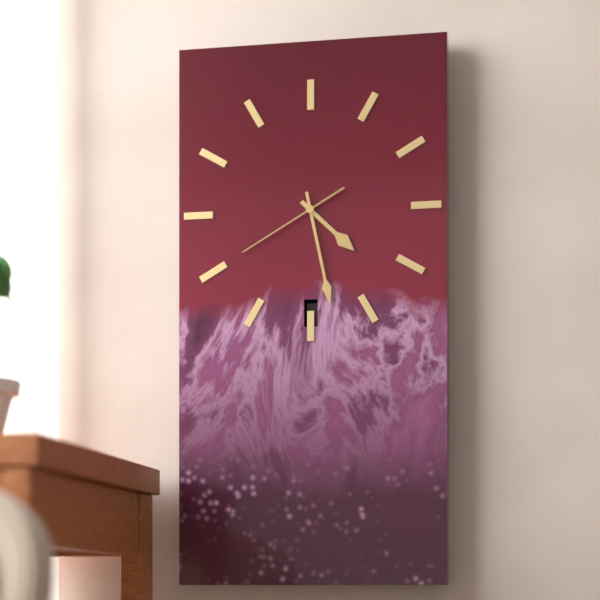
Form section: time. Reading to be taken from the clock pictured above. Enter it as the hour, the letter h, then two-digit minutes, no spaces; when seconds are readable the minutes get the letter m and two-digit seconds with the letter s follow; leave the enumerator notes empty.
4h28m40s
